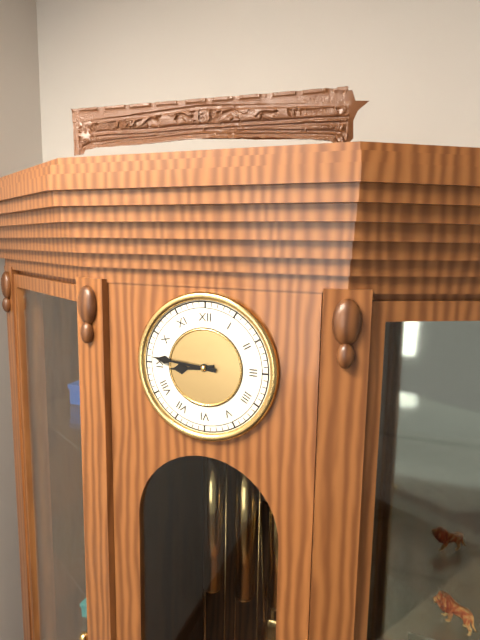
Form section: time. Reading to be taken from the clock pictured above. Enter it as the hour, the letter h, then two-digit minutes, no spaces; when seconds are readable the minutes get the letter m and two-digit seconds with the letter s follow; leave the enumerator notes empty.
8h46
